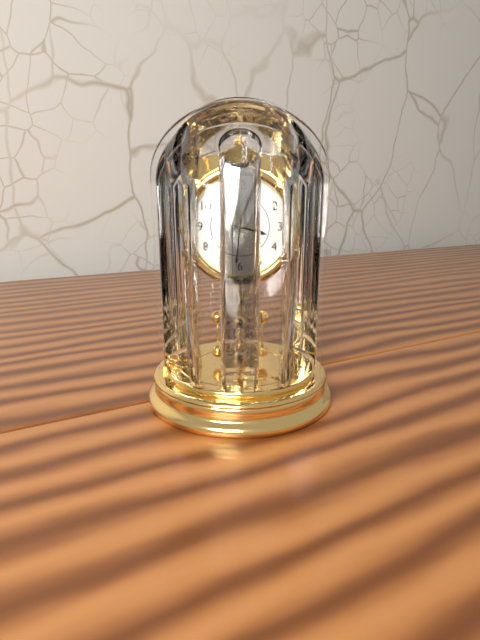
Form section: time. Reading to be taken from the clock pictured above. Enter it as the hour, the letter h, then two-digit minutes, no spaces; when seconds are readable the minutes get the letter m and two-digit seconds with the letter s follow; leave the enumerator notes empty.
3h31
